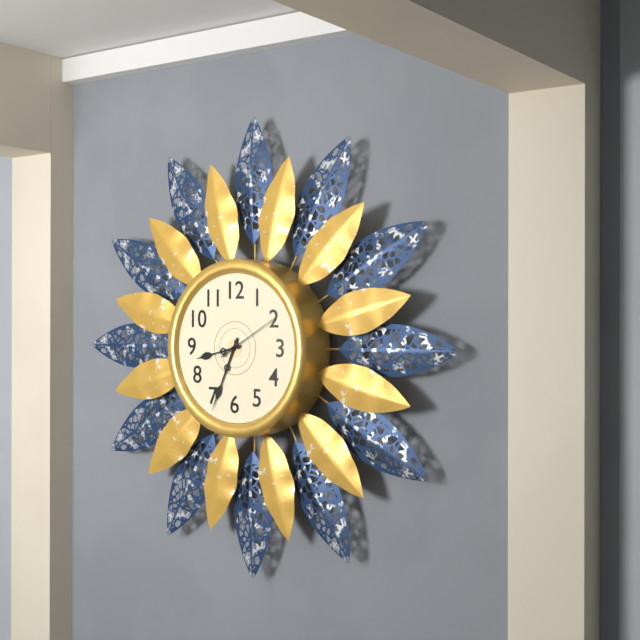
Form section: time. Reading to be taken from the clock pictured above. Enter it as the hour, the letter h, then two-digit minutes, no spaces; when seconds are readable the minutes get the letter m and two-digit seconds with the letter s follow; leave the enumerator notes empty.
8h34m10s
